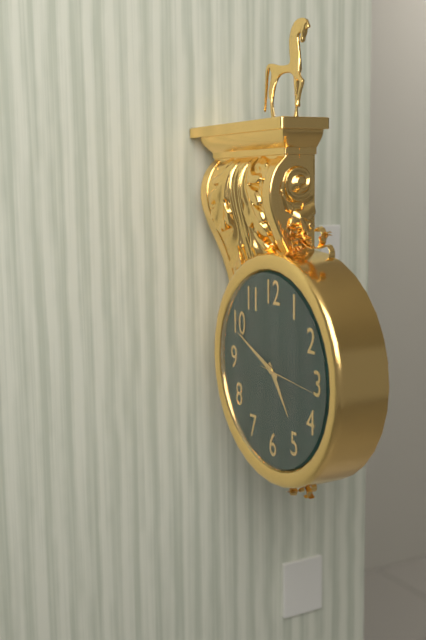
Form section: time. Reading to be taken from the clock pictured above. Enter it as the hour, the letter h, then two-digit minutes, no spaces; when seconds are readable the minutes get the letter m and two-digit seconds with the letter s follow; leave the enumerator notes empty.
4h49m16s
